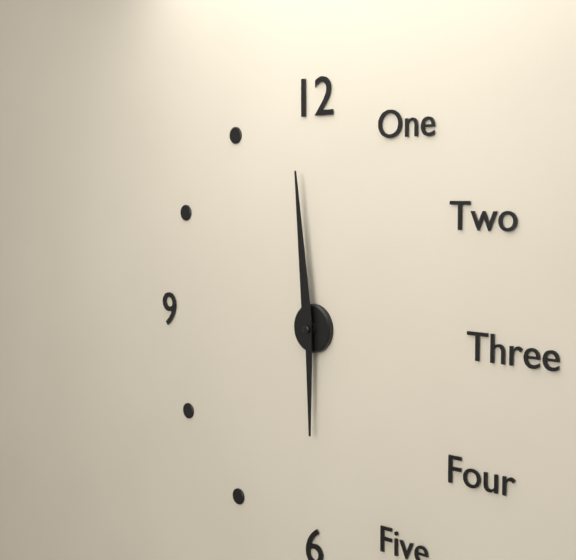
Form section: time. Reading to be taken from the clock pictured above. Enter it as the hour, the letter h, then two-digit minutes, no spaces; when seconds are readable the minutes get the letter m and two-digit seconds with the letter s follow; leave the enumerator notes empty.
5h59
